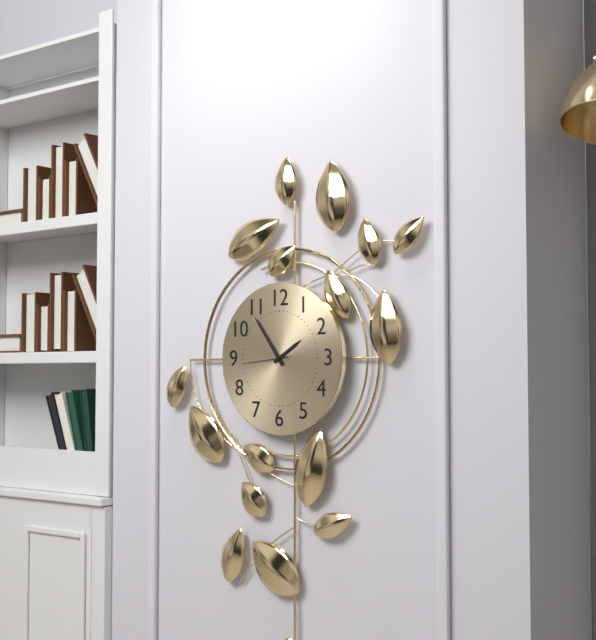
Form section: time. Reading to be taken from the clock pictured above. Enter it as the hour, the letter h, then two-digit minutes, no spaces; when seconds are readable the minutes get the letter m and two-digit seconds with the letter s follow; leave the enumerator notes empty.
1h54
